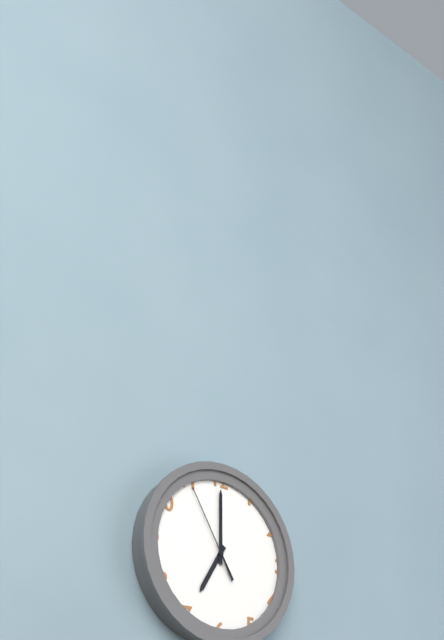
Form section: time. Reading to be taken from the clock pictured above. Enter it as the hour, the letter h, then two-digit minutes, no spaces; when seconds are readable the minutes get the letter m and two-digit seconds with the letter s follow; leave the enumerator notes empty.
7h00m55s
